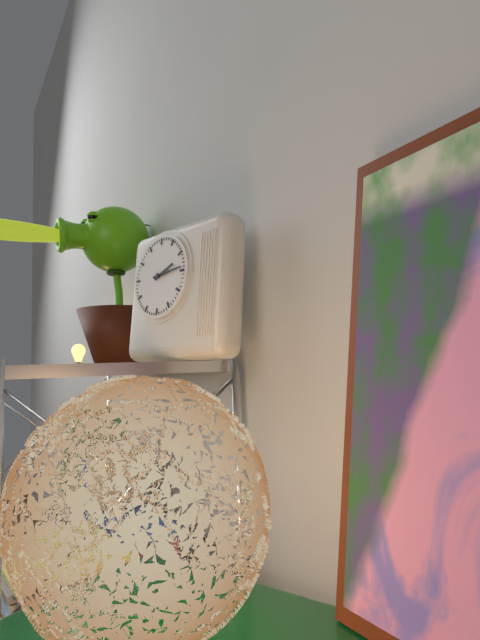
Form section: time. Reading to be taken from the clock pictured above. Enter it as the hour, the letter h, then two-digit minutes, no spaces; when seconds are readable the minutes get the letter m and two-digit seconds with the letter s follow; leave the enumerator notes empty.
2h14
